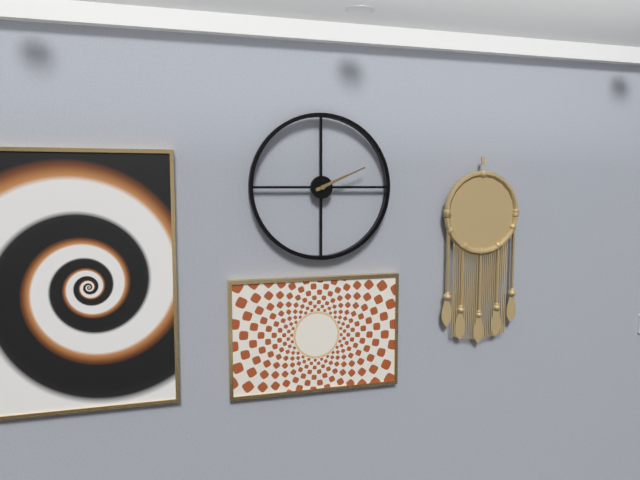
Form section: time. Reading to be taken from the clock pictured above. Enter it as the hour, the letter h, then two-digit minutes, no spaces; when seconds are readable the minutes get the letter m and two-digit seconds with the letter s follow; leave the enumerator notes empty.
2h11
